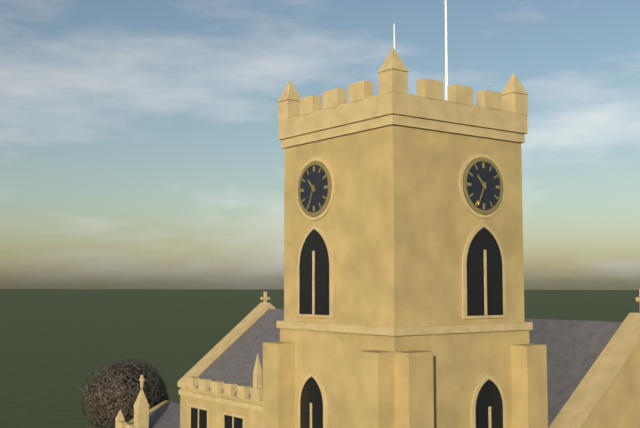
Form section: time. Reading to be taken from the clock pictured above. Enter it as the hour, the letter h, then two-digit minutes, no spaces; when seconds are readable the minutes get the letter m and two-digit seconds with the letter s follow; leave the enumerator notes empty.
10h34
